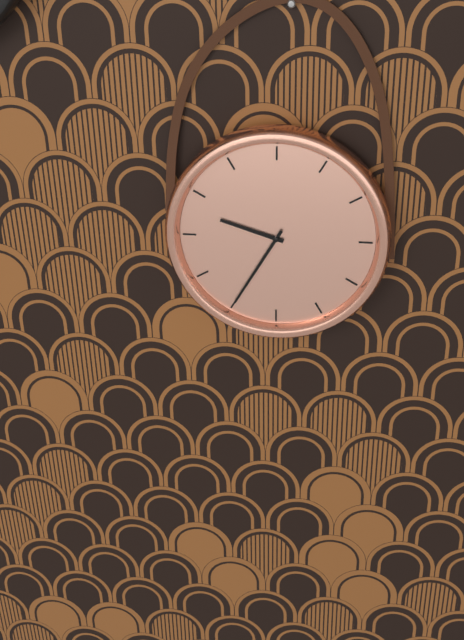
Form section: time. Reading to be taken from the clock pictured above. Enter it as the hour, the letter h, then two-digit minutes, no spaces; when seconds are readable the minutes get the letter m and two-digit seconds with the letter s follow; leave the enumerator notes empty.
9h35
